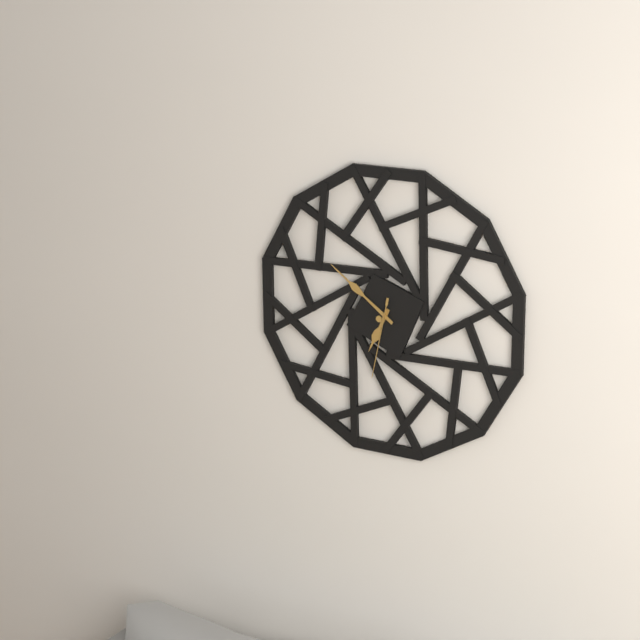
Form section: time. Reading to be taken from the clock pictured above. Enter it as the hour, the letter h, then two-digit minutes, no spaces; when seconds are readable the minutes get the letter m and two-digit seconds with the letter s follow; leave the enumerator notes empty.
6h51m32s
